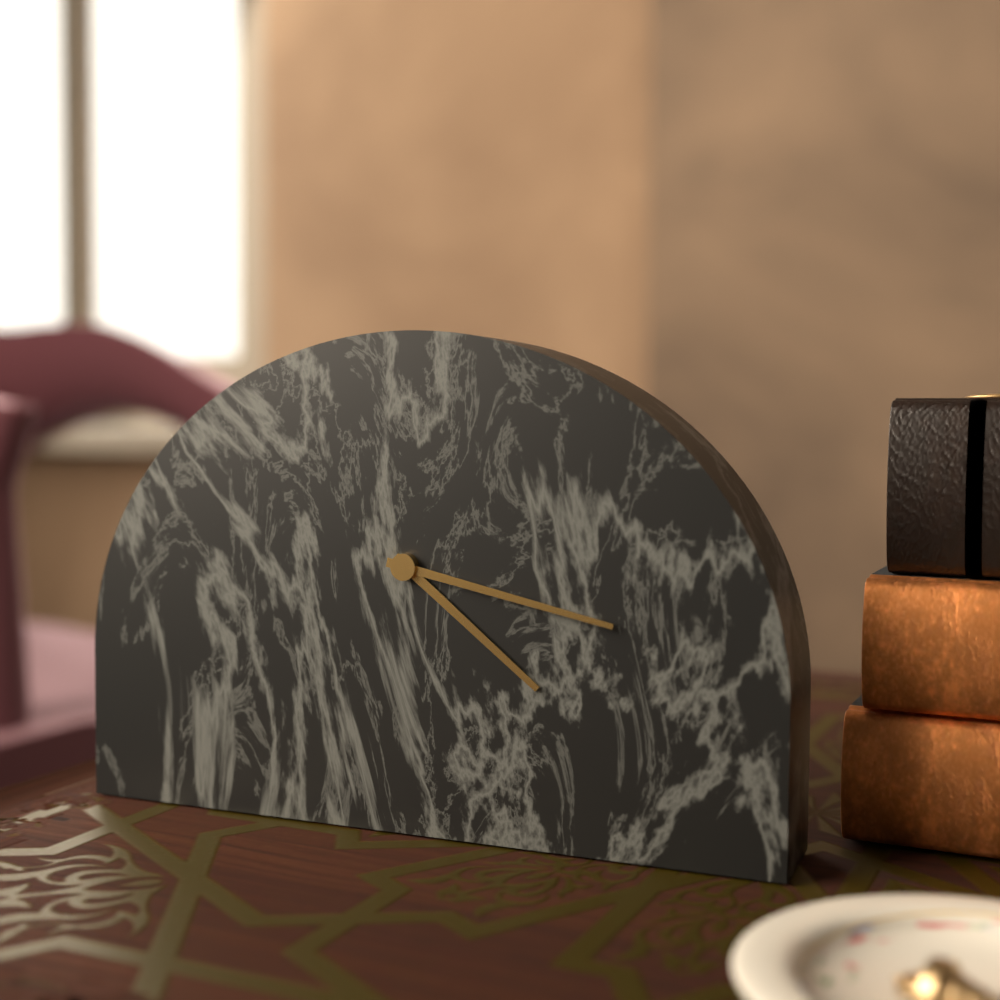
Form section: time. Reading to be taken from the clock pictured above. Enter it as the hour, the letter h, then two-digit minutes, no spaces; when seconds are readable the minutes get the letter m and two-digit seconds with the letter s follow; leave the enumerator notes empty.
4h17
